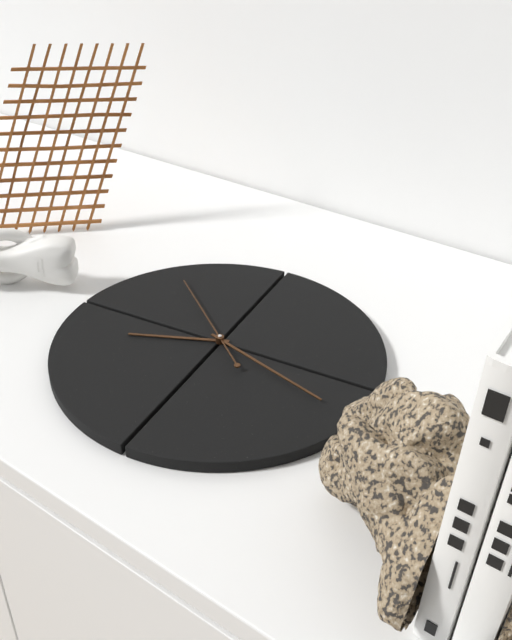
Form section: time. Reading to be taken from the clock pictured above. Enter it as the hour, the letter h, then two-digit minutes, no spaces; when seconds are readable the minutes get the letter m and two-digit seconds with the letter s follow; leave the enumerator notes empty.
8h18m52s
